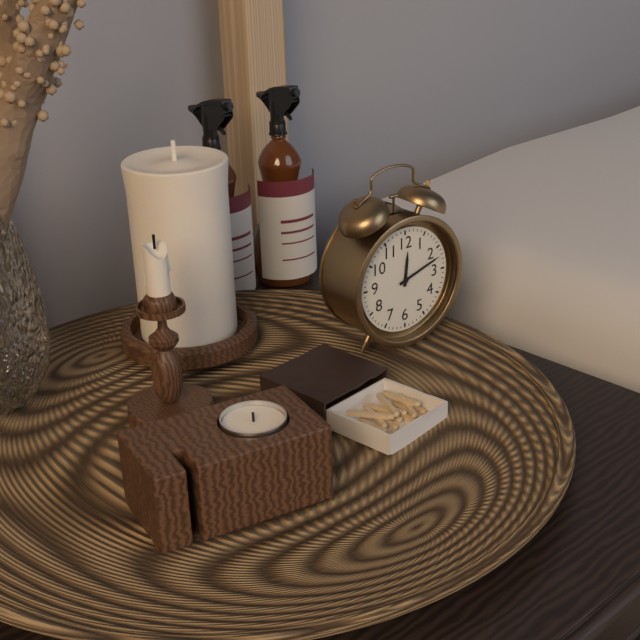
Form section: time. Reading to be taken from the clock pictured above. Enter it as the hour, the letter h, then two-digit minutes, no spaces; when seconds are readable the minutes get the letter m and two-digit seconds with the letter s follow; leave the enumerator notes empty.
12h12
